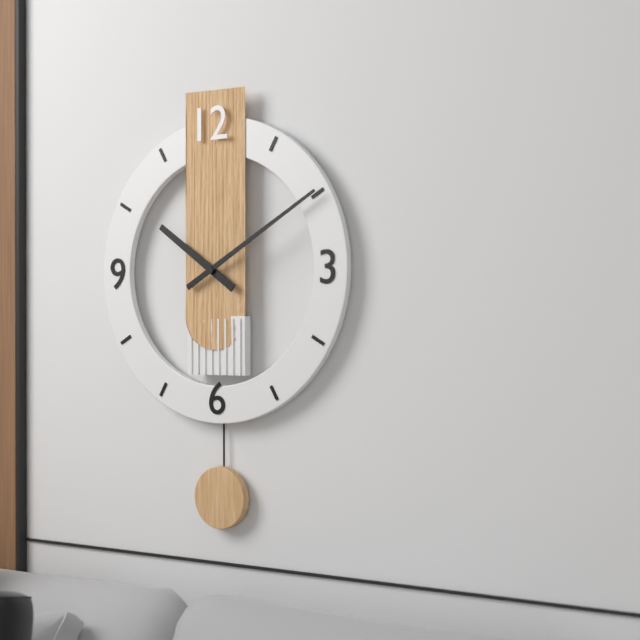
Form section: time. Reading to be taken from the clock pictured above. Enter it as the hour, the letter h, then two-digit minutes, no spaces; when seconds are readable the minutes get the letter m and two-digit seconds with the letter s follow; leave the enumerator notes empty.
10h10
